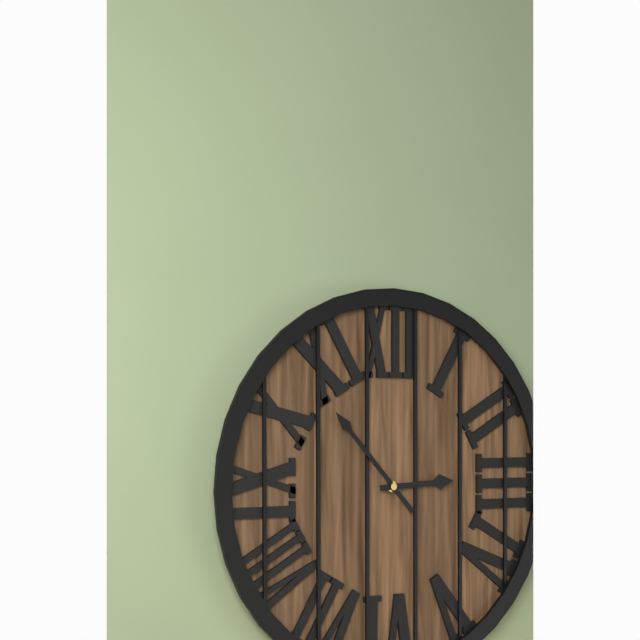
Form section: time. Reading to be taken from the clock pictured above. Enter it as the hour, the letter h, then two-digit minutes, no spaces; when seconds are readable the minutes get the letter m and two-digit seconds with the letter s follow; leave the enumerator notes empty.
2h53
